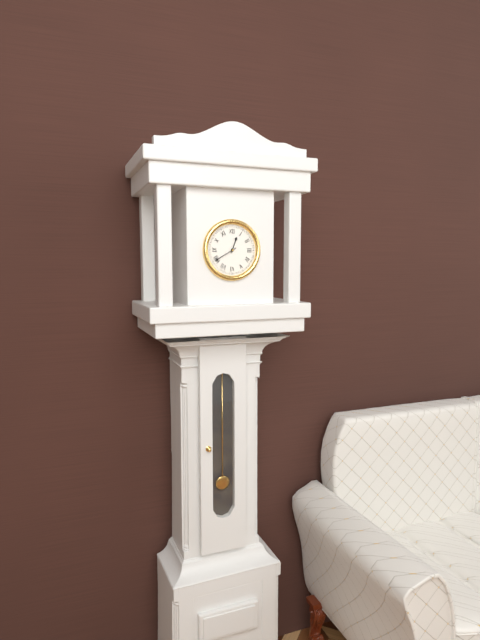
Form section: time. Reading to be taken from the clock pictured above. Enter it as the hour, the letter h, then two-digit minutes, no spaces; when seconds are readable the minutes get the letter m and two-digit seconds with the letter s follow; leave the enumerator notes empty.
12h40
